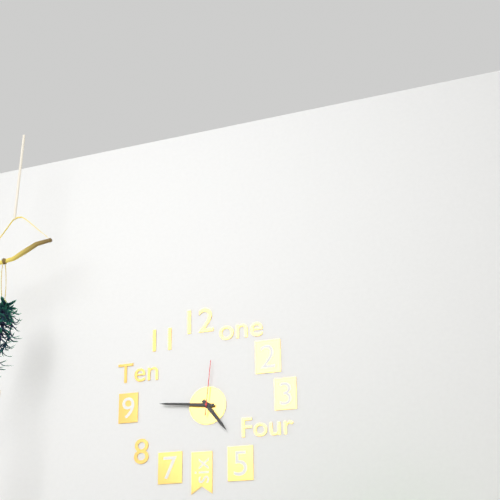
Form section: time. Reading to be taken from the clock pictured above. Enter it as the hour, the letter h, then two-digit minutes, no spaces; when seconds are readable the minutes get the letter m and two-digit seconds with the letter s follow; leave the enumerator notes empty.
4h46m01s
